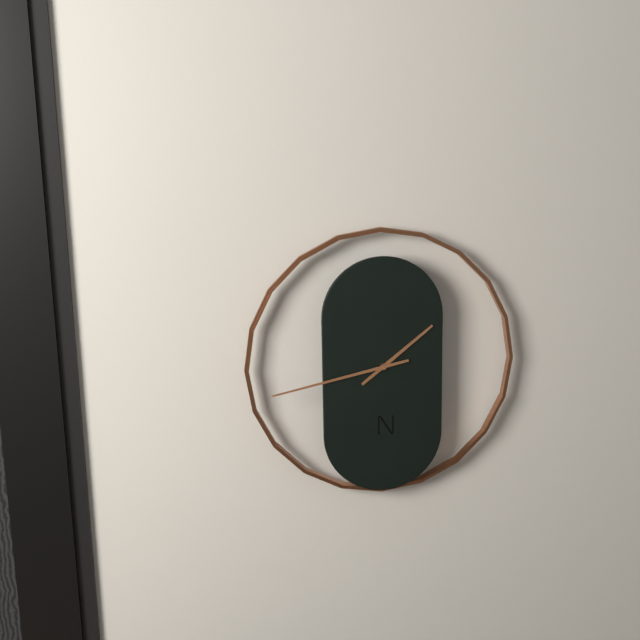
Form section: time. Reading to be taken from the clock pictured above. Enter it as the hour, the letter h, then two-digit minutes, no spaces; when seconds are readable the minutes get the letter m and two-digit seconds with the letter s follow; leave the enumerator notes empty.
1h43
